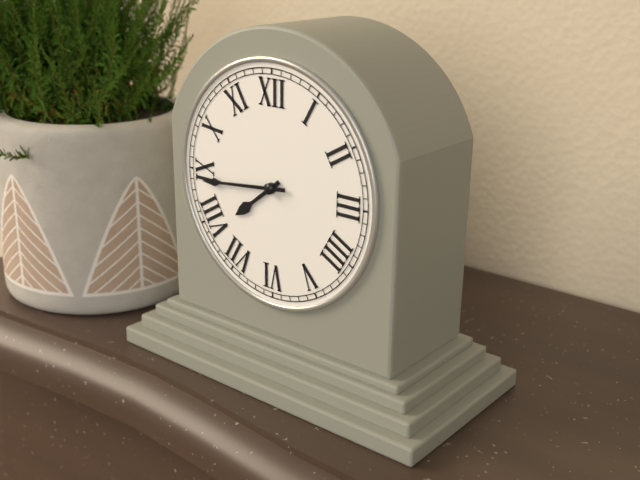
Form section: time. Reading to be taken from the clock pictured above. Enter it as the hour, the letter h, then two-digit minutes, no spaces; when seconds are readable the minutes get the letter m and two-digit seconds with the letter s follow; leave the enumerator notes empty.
7h44
